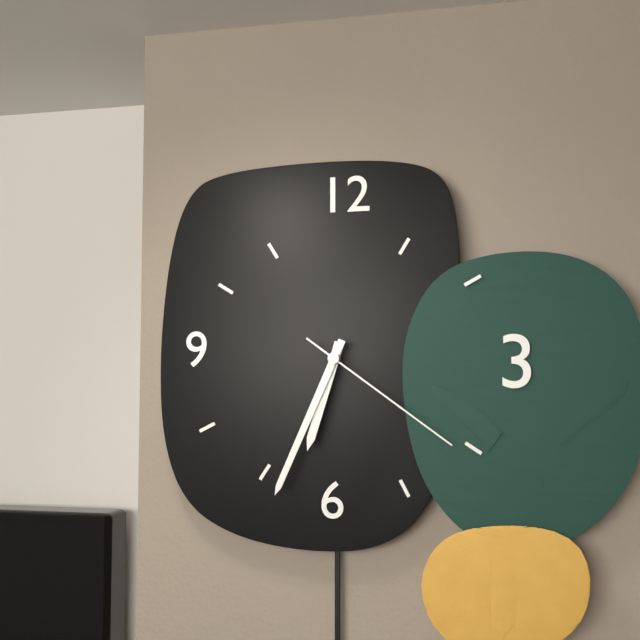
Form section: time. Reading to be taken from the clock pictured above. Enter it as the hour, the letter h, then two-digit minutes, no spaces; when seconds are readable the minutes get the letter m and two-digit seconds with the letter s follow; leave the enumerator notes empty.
6h34m21s
